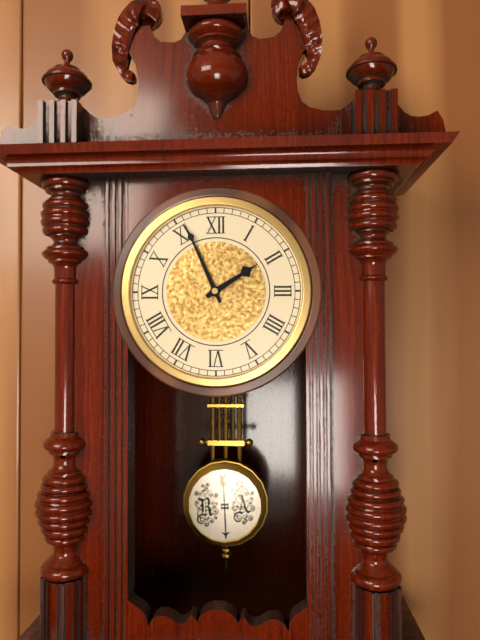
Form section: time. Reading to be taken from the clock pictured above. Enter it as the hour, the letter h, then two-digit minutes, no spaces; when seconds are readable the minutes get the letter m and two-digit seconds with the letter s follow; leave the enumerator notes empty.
1h56
